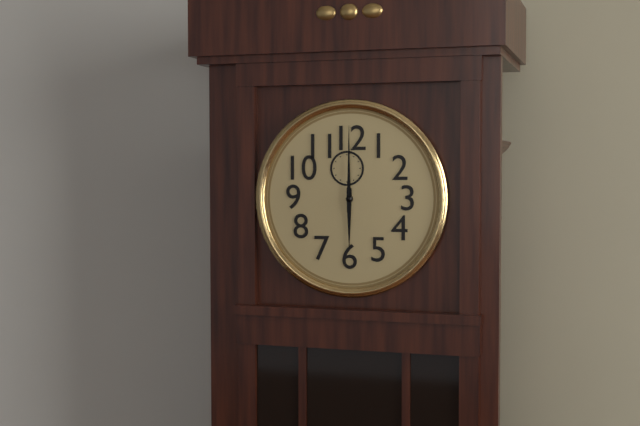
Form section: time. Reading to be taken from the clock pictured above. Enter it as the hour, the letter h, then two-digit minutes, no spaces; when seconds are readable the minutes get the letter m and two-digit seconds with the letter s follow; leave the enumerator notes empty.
6h00
